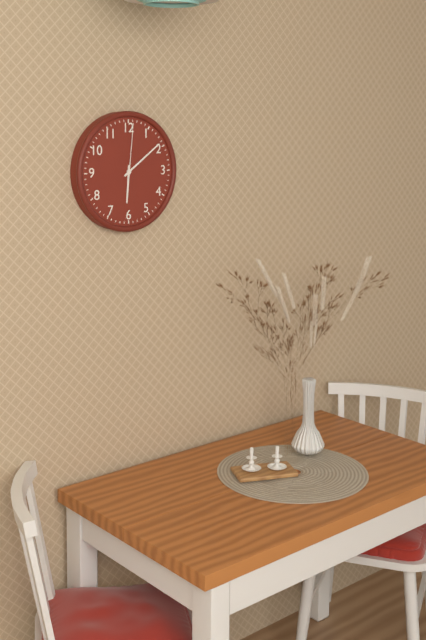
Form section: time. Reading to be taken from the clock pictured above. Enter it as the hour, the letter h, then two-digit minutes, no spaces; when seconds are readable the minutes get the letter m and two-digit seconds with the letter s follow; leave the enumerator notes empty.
6h09m01s
